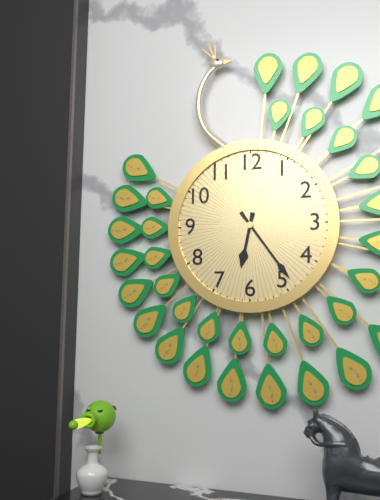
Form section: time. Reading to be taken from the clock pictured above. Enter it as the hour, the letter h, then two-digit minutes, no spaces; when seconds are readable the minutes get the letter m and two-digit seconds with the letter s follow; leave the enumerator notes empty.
6h24
